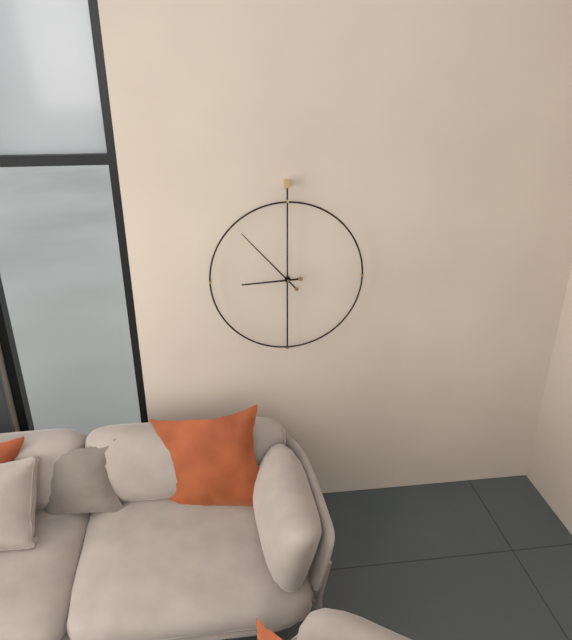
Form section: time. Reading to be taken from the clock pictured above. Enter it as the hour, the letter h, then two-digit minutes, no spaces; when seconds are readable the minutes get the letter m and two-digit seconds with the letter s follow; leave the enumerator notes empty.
8h53
